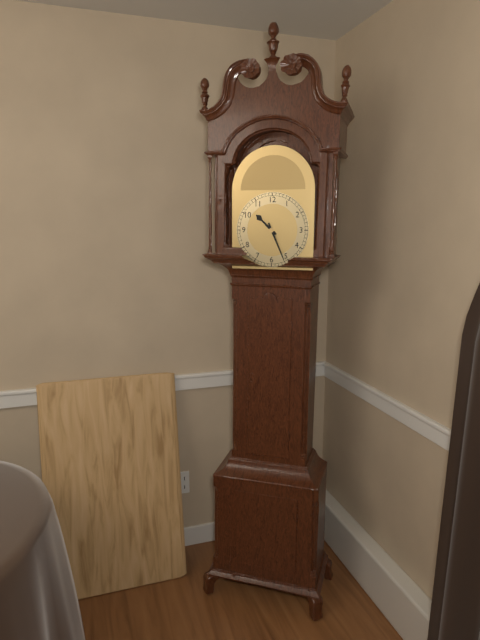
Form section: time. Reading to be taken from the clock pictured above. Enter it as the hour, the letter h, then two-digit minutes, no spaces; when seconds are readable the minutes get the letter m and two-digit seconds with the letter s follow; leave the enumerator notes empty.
10h26
